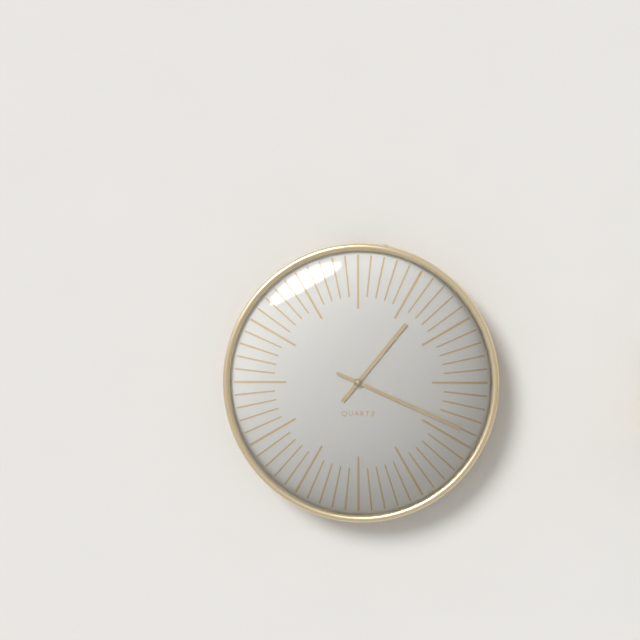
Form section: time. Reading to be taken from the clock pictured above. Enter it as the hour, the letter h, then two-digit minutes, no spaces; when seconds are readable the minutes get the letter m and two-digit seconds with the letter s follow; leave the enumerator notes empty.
1h19
